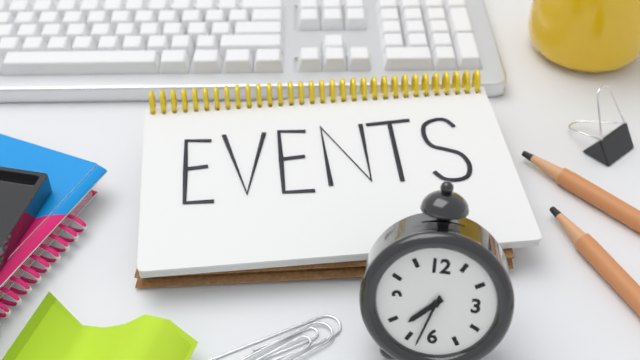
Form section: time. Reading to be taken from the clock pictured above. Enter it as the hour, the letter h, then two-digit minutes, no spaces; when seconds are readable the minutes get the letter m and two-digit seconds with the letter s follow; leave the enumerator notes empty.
7h33
